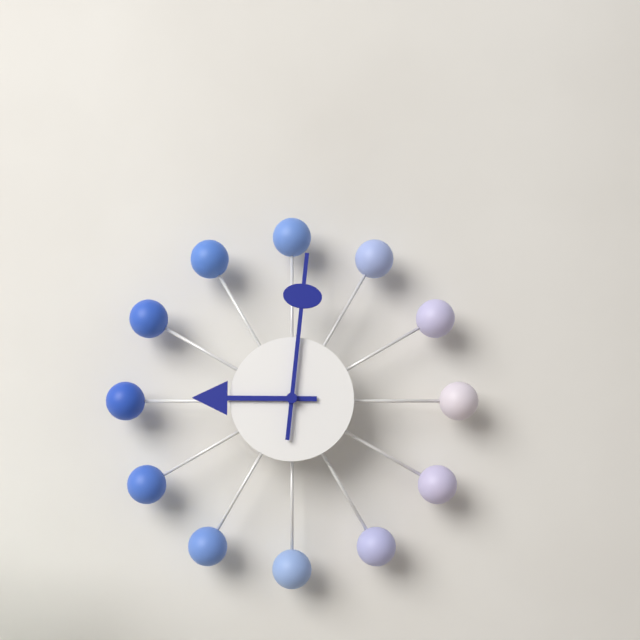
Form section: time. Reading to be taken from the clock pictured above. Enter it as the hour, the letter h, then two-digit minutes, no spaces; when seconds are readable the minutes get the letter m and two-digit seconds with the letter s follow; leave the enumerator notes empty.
9h01
